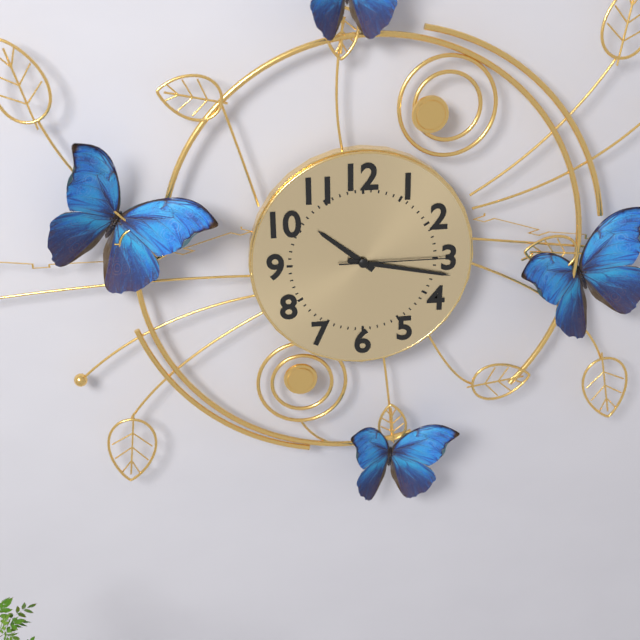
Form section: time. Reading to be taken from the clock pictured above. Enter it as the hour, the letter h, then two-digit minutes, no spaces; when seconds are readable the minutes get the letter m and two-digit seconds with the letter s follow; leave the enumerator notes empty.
10h17m15s
